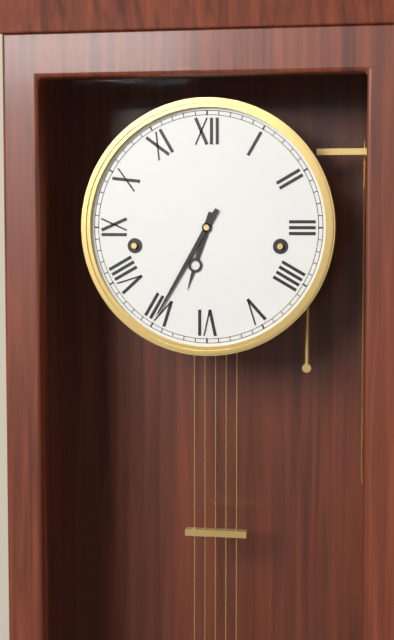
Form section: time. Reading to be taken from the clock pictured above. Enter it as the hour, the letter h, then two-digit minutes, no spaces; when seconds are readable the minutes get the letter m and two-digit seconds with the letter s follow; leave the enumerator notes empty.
6h35
